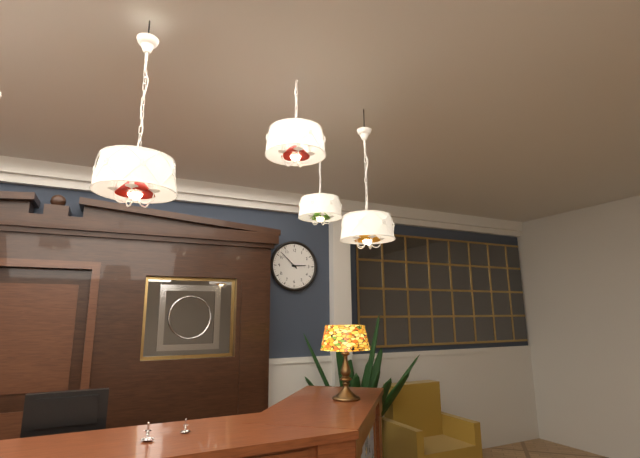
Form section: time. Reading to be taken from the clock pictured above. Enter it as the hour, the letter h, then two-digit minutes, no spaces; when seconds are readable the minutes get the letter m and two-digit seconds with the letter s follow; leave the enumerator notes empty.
2h52
